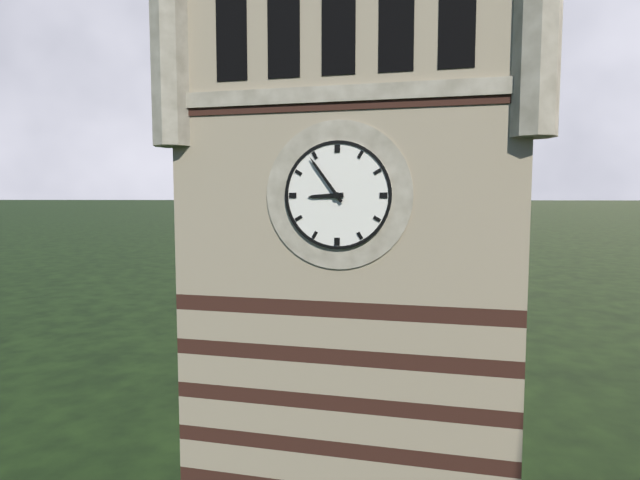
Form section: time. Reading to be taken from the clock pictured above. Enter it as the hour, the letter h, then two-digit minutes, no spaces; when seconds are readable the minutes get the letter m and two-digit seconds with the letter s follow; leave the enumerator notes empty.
8h54
